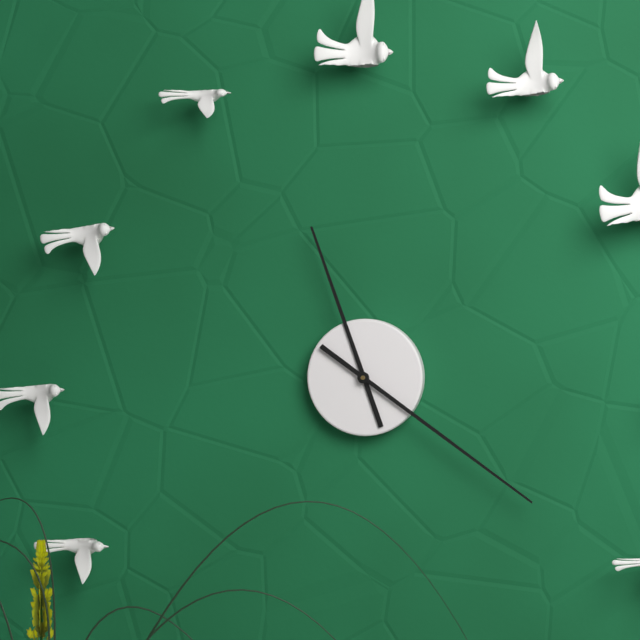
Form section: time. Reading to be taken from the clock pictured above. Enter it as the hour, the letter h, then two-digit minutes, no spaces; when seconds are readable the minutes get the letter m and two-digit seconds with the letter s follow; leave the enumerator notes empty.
11h21
